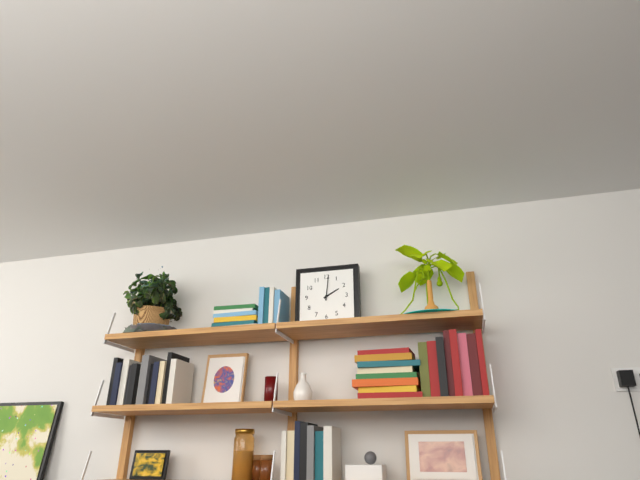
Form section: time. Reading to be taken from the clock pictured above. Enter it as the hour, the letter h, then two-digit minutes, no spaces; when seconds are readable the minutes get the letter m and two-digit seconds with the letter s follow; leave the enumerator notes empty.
2h01
